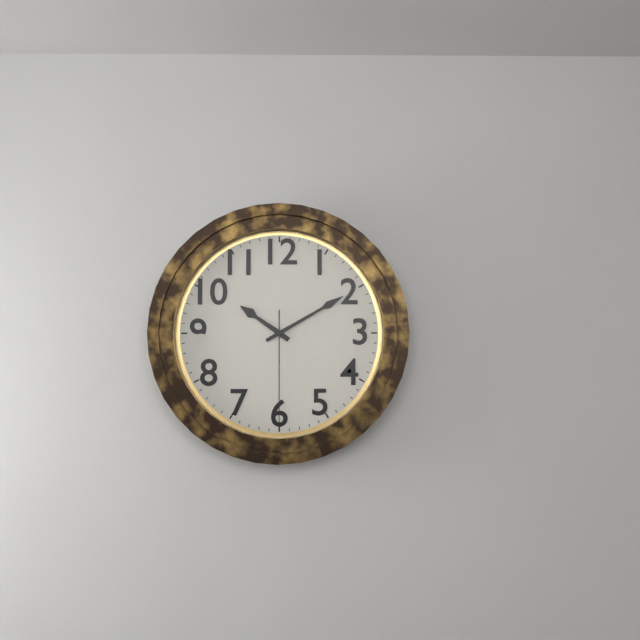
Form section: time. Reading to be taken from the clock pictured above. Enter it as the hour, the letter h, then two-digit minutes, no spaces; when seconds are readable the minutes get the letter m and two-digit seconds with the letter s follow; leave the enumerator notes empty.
10h10m30s
